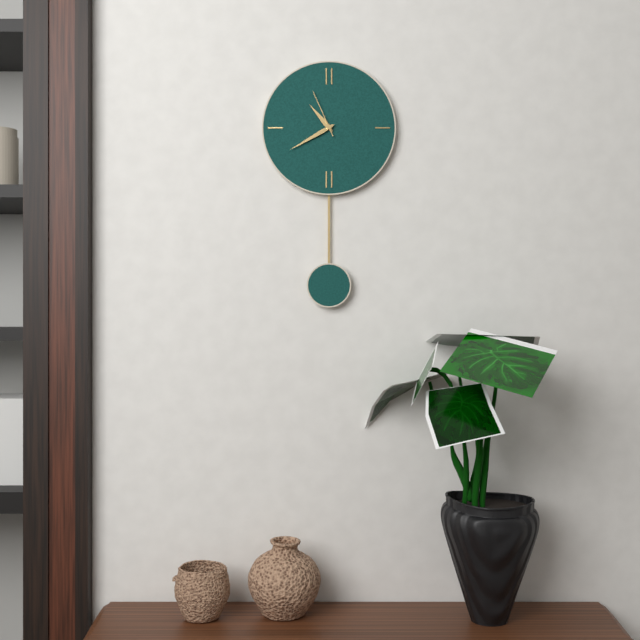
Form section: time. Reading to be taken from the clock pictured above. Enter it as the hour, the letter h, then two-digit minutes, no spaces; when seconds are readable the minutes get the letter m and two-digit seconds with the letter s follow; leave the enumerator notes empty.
10h40m56s
